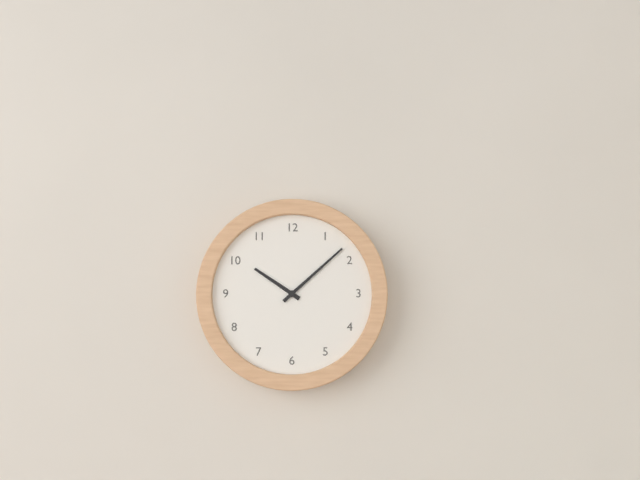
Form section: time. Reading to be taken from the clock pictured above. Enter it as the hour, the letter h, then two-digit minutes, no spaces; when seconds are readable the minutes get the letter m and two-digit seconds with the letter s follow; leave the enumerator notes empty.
10h08
